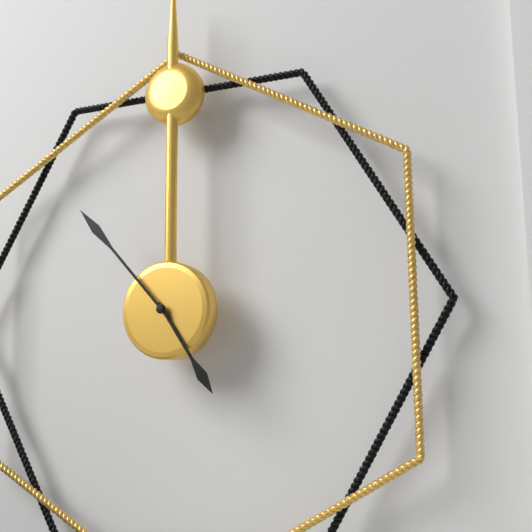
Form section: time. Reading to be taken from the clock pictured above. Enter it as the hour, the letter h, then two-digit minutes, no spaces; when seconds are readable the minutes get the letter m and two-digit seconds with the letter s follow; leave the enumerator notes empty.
4h53
